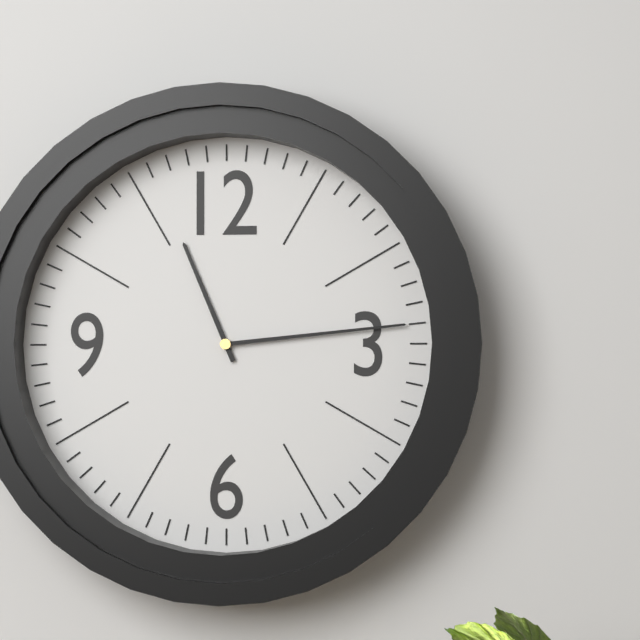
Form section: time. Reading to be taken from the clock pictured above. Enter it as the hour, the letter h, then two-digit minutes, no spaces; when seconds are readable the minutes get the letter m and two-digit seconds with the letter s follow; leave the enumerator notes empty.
11h14
